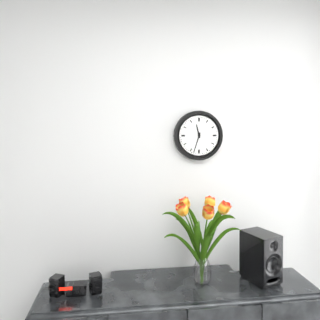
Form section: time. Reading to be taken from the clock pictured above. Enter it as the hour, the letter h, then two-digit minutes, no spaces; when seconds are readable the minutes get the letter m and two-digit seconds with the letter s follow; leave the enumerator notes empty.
11h33
